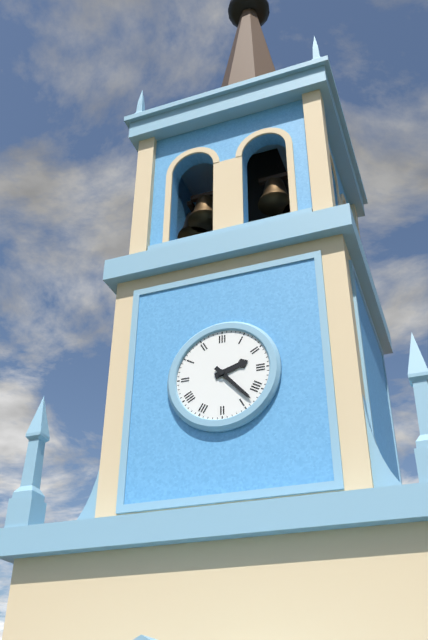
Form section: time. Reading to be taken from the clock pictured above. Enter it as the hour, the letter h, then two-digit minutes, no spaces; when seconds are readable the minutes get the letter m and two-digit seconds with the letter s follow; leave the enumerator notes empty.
2h23
